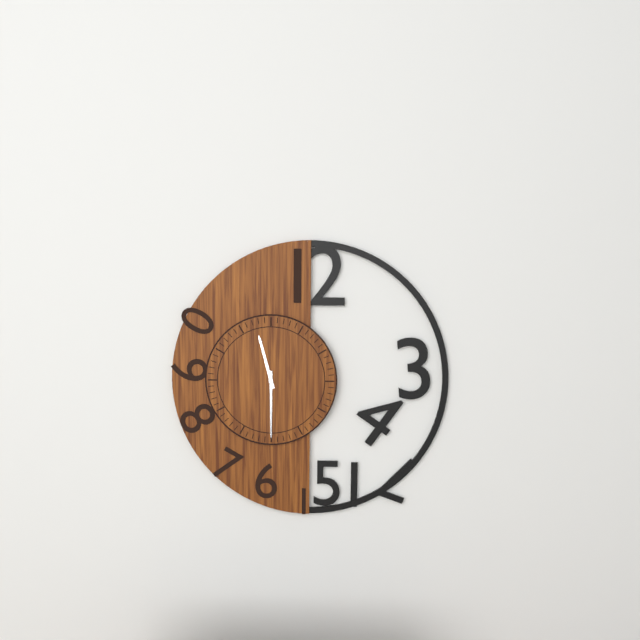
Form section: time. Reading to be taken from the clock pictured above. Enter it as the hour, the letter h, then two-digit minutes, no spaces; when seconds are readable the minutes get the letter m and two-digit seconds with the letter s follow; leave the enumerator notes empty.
11h30
